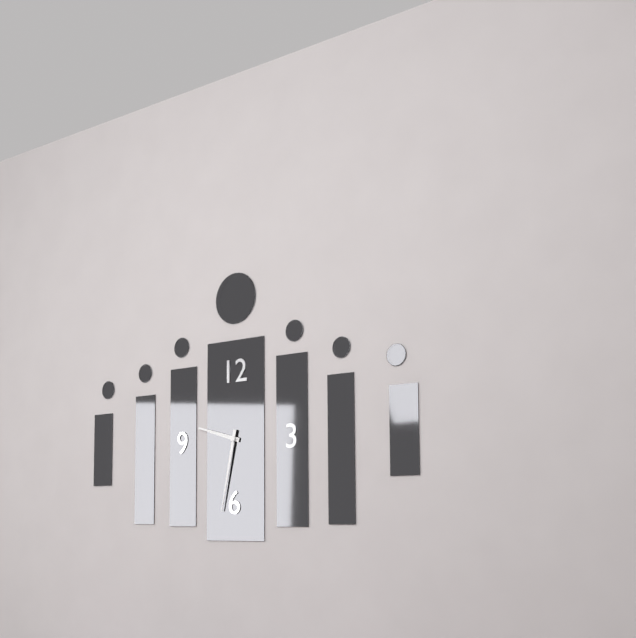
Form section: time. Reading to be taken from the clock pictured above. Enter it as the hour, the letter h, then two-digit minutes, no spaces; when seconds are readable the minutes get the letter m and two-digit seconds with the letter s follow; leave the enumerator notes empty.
9h32
